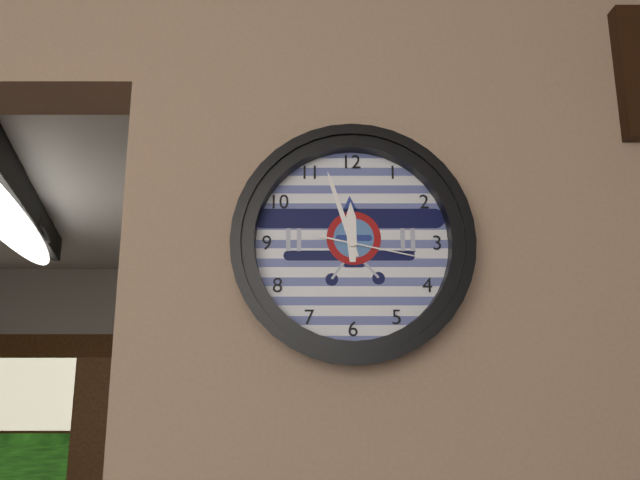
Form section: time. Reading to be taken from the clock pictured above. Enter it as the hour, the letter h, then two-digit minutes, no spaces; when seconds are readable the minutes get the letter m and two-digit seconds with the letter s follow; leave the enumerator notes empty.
11h57m17s
